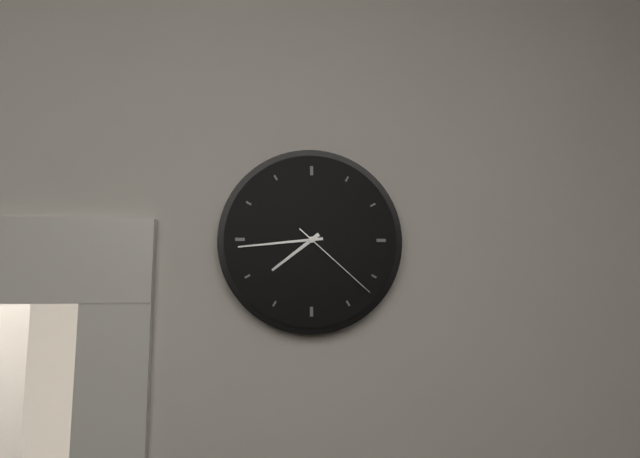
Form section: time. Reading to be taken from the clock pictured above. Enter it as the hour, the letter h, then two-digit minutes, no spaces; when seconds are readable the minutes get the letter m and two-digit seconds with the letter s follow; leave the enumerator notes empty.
7h44m22s
